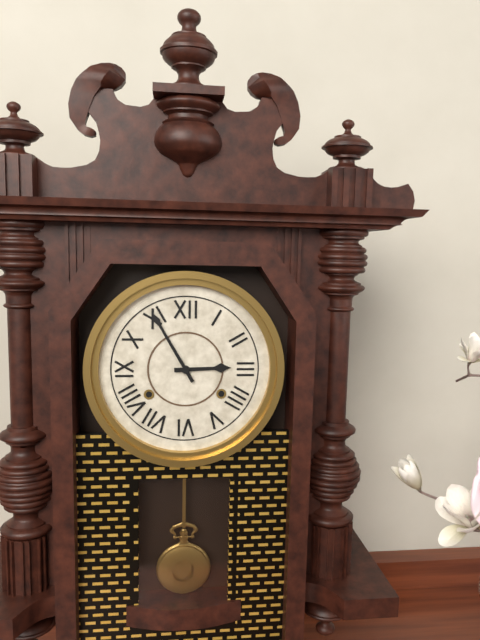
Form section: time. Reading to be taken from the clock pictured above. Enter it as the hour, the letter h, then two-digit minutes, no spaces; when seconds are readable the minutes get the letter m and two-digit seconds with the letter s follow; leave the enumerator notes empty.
2h55
